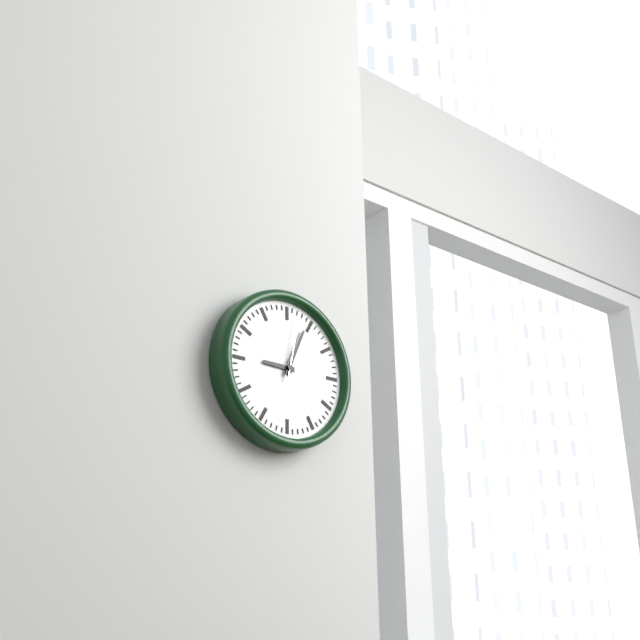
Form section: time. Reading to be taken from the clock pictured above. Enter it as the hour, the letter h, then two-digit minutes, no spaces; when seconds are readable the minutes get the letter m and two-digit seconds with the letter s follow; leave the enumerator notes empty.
9h04m02s
